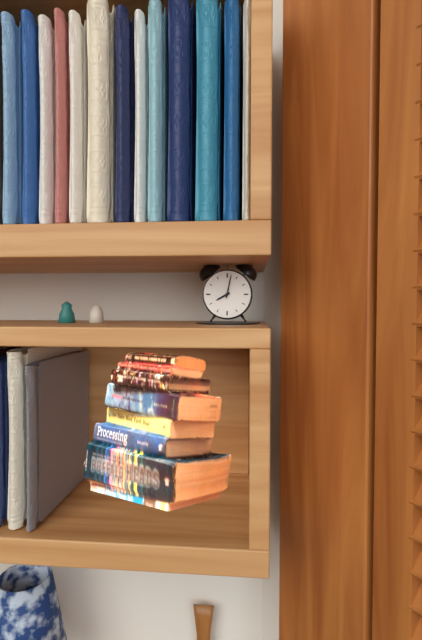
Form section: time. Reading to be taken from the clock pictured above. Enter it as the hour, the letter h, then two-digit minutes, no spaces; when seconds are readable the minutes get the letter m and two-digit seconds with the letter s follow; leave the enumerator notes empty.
8h02
